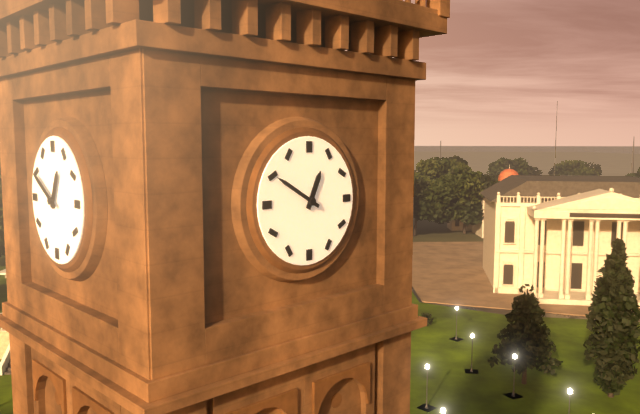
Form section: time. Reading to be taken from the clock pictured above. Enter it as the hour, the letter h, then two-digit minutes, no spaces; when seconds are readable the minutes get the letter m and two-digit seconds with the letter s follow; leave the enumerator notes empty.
12h50
